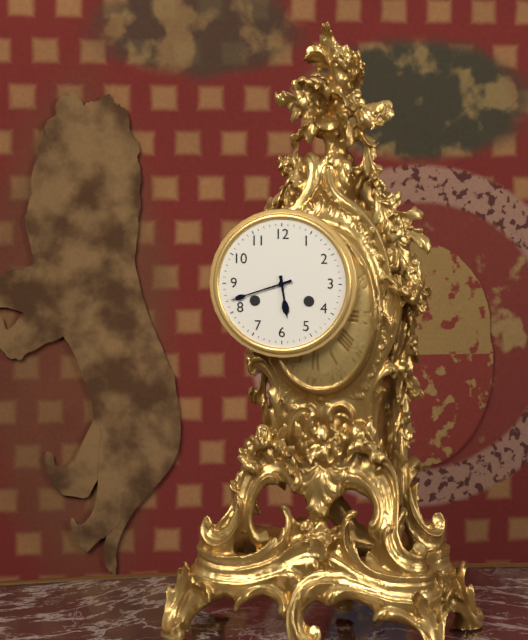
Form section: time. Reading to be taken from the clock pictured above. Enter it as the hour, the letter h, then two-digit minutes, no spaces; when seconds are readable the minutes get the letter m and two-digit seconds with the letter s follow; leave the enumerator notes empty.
5h42
